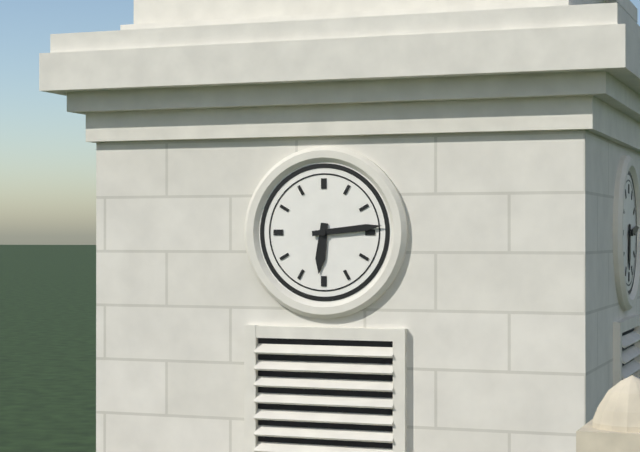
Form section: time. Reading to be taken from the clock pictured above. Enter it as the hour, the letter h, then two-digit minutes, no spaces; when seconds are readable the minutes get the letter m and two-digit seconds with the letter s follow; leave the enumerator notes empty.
6h14
